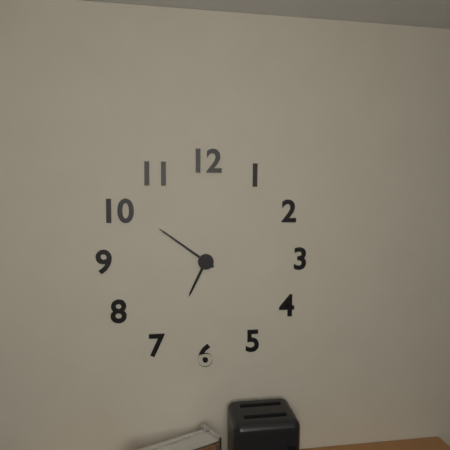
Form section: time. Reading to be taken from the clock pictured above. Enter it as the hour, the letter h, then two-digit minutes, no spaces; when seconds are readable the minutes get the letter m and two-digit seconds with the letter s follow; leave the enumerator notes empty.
6h51
